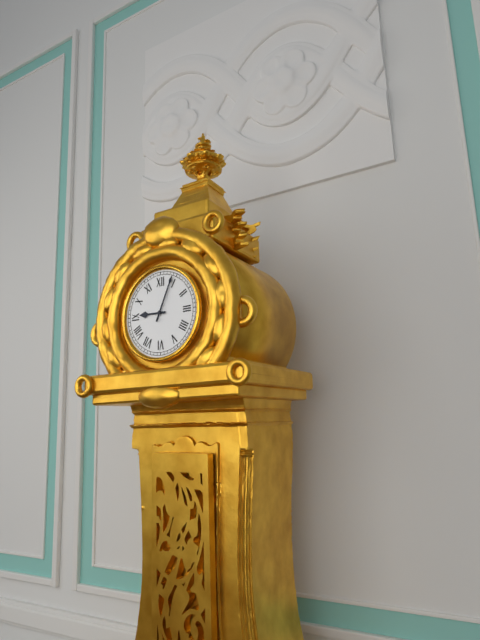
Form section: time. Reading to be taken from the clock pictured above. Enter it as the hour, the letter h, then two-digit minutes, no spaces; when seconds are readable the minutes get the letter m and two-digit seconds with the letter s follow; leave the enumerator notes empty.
9h04
